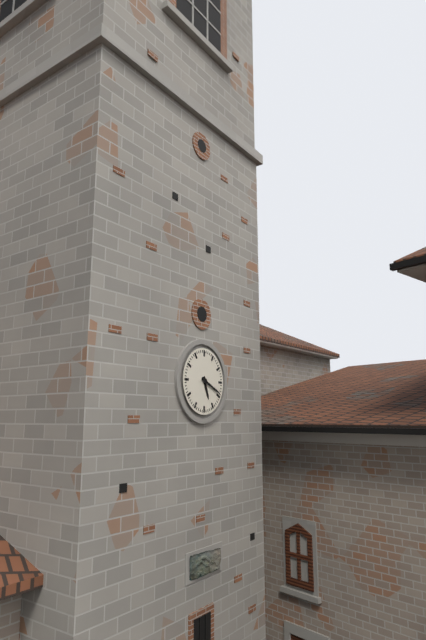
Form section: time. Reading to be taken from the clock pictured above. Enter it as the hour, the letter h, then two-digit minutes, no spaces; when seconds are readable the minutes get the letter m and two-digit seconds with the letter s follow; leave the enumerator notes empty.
5h19
